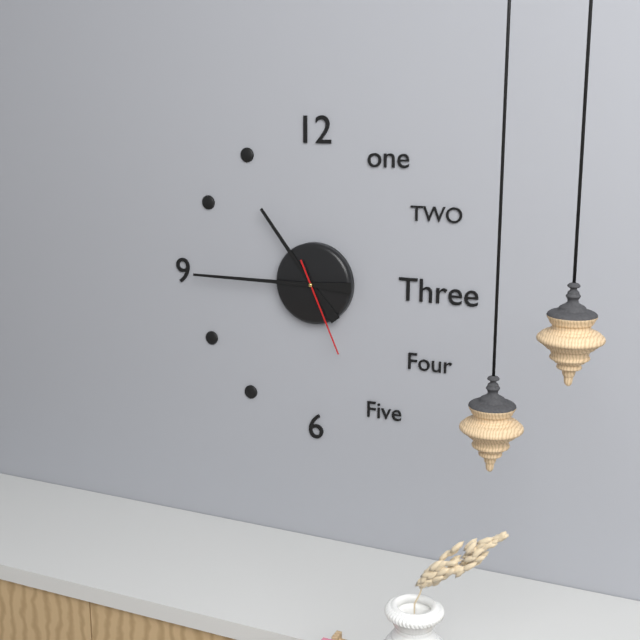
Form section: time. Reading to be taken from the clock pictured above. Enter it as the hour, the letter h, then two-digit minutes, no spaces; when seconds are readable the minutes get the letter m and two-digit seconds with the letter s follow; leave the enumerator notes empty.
10h45m26s
